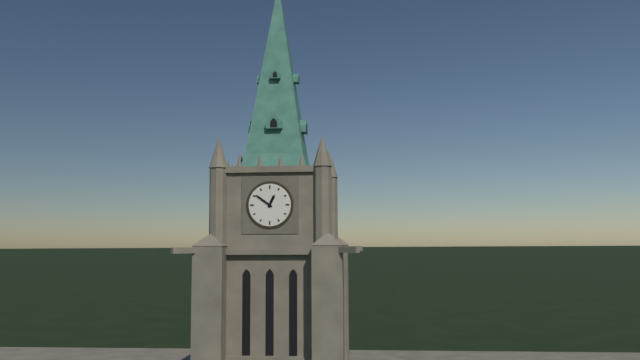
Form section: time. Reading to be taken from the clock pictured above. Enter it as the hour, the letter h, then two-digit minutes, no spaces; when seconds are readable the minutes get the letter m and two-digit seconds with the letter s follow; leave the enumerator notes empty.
12h51
